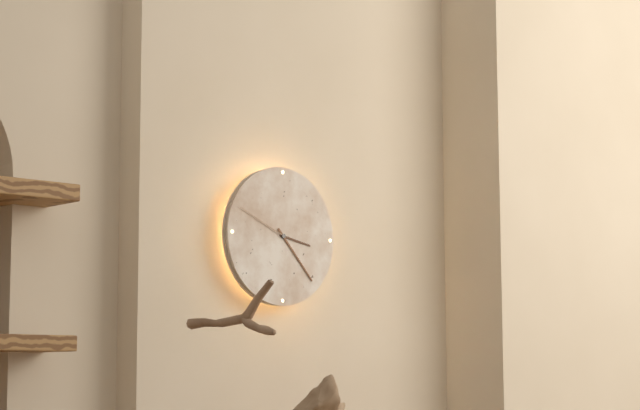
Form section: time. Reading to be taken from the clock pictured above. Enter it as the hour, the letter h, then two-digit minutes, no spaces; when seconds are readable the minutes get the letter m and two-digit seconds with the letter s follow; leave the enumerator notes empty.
3h23m49s
